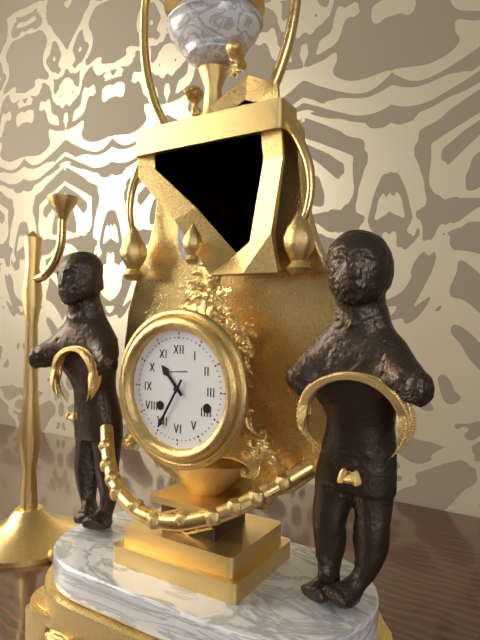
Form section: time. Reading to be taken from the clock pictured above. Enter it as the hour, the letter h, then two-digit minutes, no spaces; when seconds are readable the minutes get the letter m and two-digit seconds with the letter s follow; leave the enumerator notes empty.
10h35
